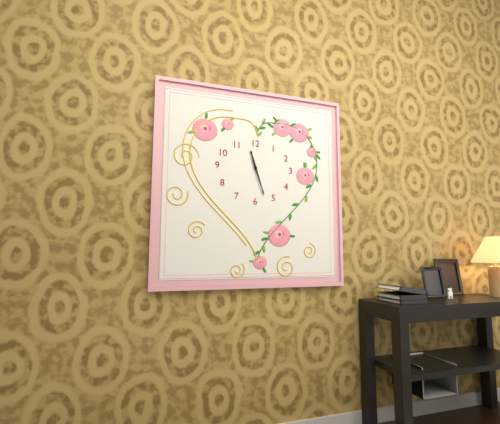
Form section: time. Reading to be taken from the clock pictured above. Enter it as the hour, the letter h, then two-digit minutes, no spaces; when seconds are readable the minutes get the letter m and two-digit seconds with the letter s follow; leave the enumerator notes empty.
11h27
